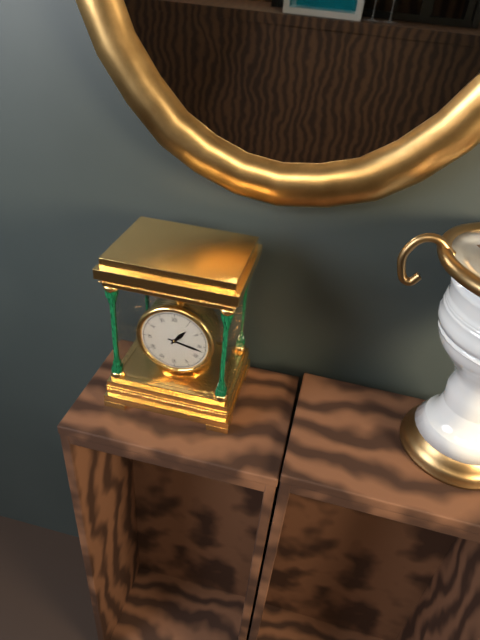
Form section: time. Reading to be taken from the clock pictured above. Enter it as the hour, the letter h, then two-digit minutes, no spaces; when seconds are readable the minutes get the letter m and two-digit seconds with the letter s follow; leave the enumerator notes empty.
1h17
